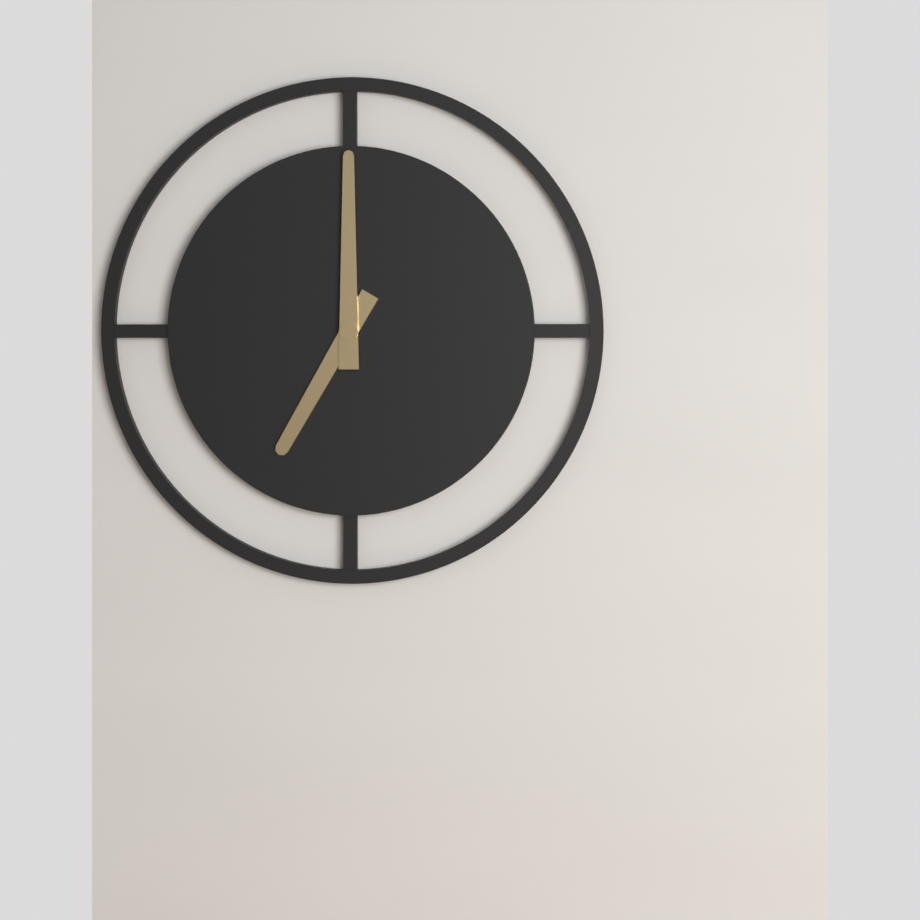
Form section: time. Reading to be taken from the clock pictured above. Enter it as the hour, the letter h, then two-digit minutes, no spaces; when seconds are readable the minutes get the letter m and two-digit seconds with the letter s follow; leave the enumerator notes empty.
7h00
